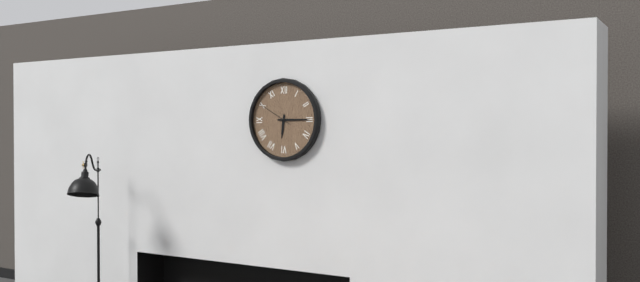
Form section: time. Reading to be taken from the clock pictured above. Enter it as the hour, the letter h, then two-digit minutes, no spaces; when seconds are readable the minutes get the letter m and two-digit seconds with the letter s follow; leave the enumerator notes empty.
6h15
